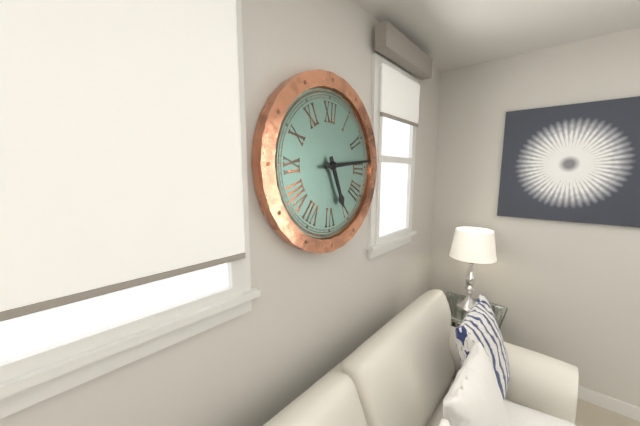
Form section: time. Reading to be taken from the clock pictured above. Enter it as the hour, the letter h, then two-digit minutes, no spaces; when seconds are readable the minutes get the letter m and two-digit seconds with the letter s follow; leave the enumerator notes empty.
5h14
